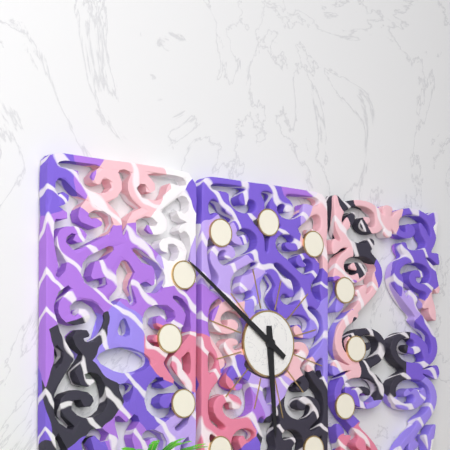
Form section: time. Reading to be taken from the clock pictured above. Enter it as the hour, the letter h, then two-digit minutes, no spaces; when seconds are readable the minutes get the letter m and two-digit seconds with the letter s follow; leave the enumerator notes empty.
5h51
